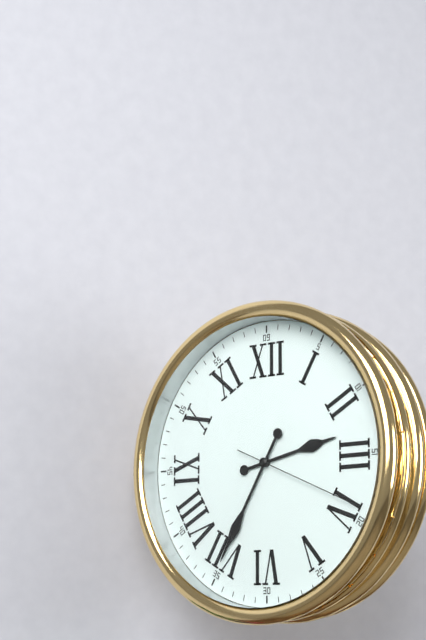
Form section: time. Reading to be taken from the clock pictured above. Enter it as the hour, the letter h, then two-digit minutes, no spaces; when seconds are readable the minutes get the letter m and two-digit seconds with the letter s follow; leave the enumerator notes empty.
2h35m19s
